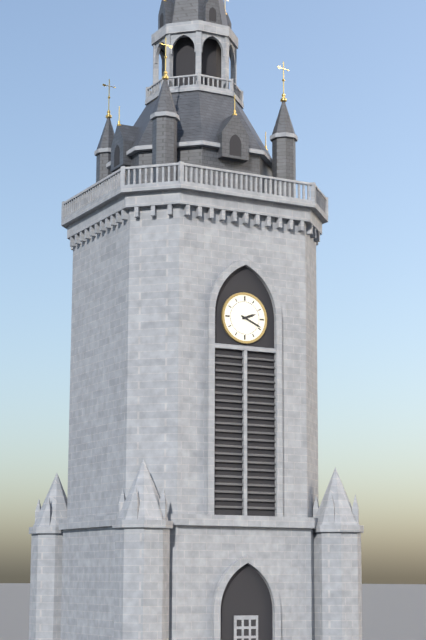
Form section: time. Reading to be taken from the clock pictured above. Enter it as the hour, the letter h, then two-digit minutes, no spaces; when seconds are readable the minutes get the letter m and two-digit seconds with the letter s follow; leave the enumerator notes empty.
2h19
